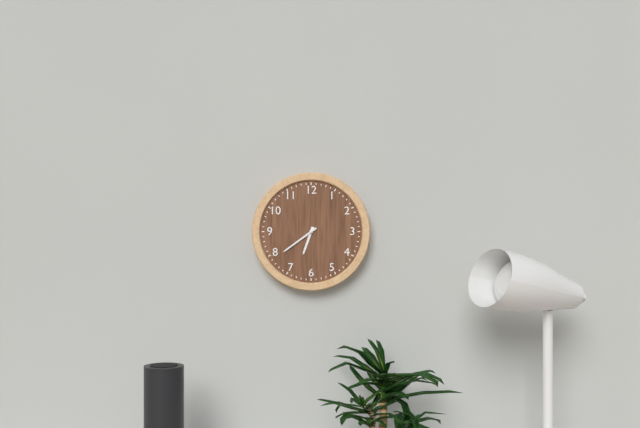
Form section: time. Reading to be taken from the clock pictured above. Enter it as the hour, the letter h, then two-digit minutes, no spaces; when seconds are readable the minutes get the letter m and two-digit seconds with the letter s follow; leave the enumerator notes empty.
6h39
